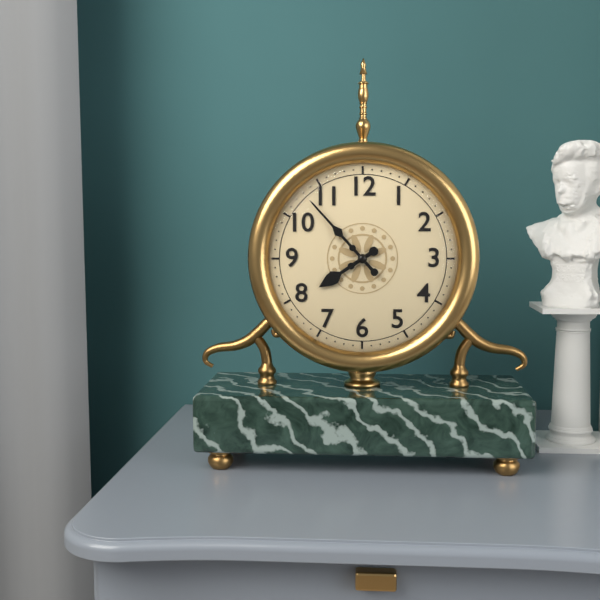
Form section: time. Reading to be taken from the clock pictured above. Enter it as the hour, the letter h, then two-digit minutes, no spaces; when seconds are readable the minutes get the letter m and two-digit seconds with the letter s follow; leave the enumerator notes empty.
7h53
